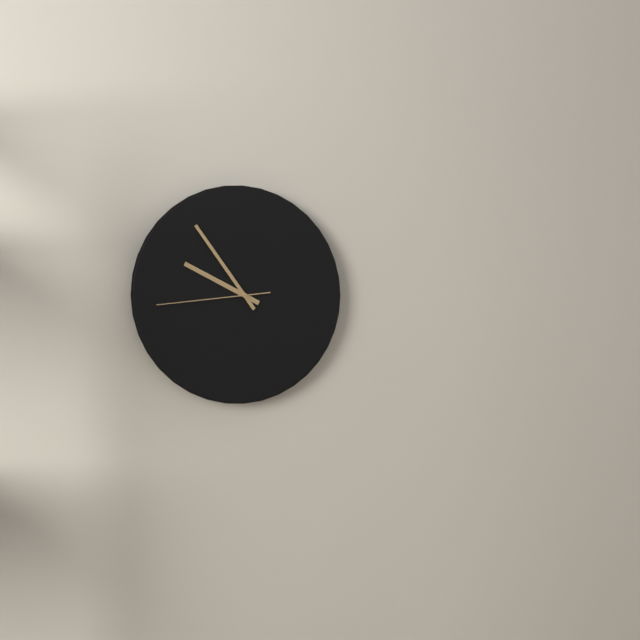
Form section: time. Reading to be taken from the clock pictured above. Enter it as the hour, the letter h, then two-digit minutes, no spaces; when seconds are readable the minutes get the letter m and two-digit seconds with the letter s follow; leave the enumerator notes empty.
9h54m44s
